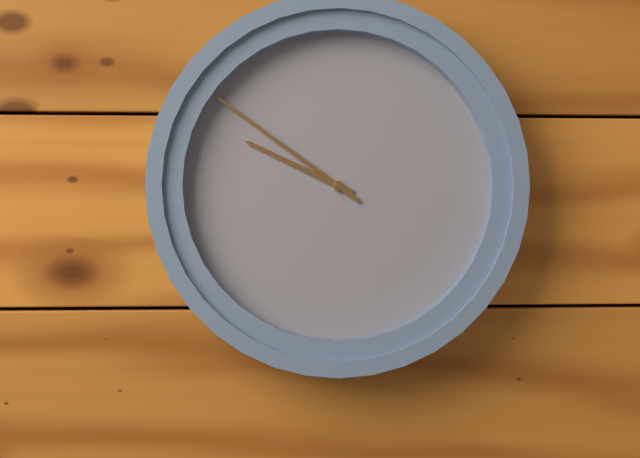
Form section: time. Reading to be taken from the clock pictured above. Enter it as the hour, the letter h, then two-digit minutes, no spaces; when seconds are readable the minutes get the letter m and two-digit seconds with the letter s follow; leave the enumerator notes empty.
9h51
